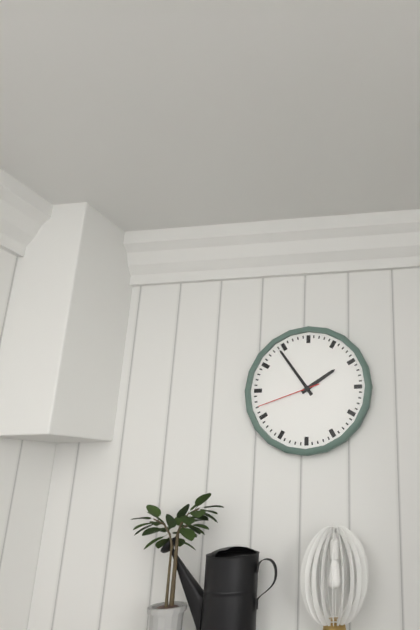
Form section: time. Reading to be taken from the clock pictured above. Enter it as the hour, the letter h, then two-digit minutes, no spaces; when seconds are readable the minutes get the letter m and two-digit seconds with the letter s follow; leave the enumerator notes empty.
1h54m42s
